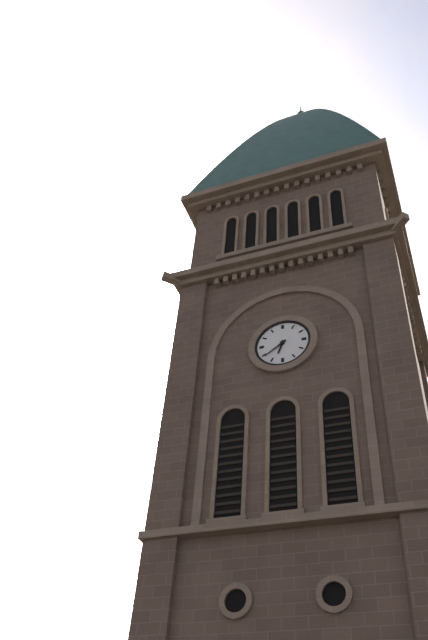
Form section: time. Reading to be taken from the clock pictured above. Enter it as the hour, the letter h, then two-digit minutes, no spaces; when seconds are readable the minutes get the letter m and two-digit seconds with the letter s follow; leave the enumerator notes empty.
6h39
